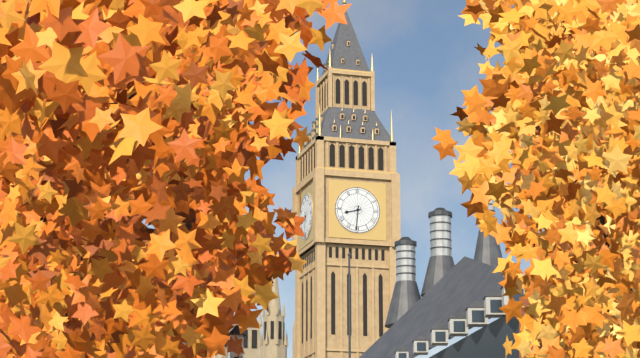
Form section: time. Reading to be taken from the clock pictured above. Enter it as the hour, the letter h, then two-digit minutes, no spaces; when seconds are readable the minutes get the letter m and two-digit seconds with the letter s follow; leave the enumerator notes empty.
8h31
